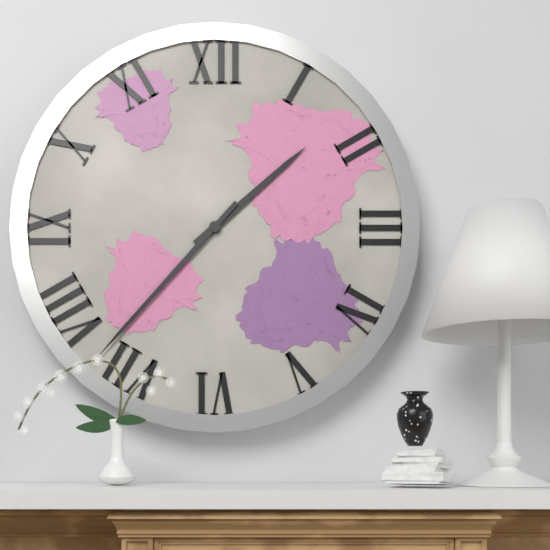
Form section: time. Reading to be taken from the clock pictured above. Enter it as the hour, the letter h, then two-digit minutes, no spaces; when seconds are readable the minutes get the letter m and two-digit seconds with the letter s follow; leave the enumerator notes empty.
1h37
